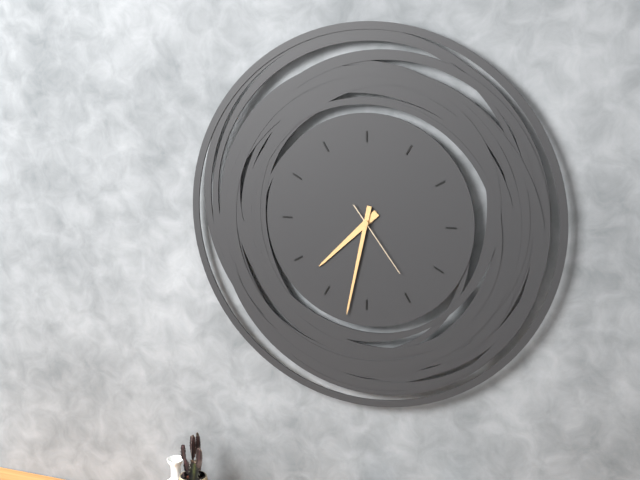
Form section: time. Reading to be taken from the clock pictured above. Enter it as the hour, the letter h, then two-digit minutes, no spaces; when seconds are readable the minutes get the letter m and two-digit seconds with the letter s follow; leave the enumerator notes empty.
7h32m24s
